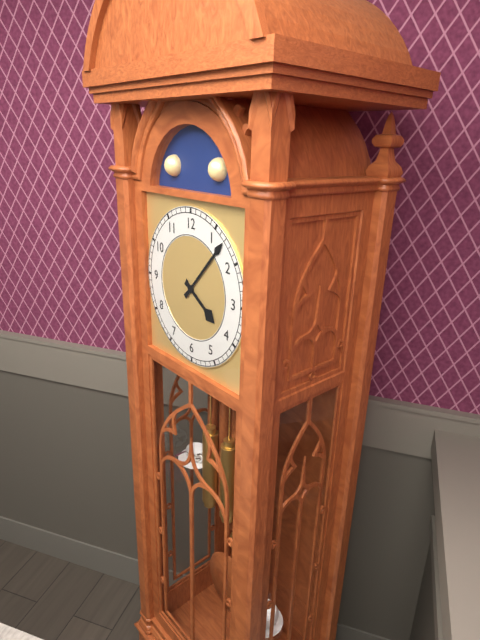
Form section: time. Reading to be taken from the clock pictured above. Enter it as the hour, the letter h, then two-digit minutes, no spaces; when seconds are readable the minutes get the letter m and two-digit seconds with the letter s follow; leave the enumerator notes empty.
4h07
